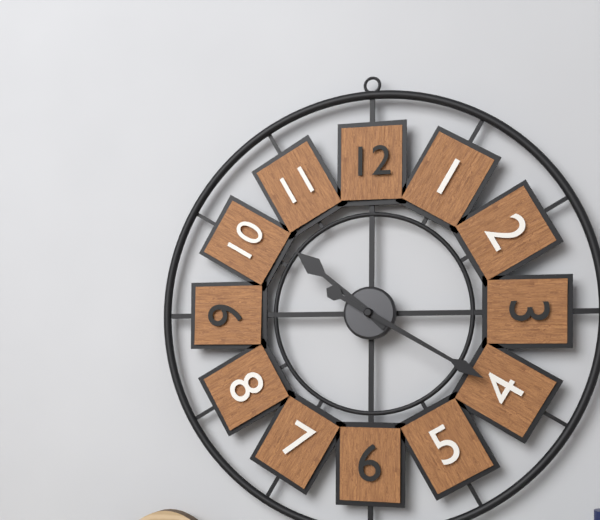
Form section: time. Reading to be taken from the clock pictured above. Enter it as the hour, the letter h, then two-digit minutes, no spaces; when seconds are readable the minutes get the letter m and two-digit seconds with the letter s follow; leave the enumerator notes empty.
10h20
